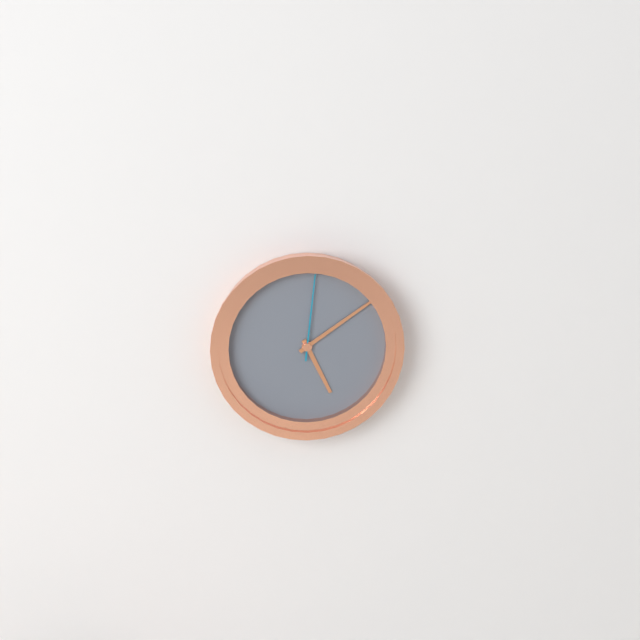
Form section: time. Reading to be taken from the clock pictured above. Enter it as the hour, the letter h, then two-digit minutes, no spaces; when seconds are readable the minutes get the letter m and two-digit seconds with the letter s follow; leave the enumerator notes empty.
5h09m01s
